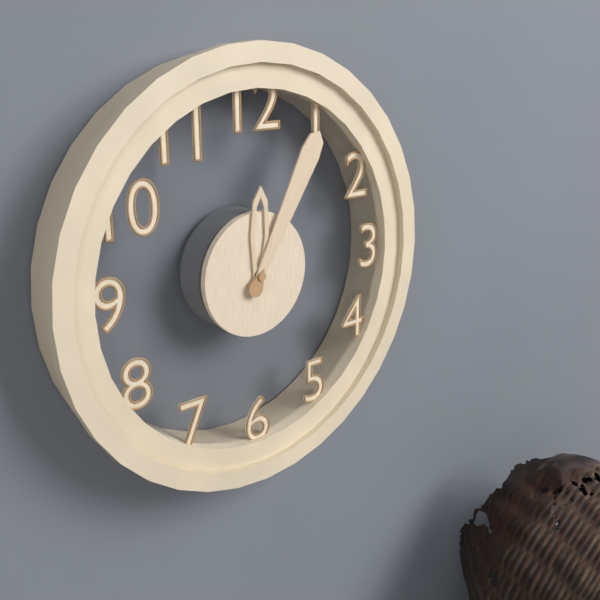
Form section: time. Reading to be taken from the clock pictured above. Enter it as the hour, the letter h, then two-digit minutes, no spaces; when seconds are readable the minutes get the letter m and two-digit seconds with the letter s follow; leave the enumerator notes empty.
12h05
